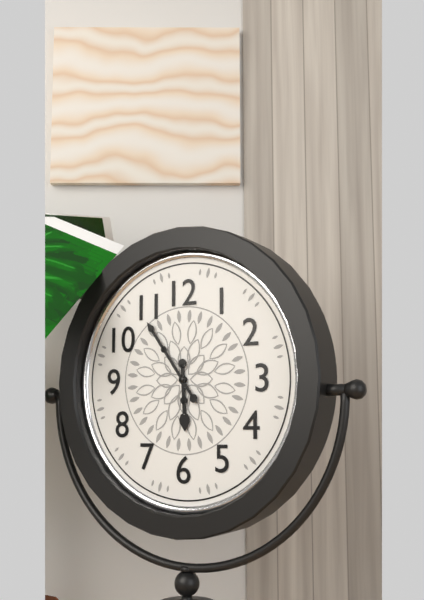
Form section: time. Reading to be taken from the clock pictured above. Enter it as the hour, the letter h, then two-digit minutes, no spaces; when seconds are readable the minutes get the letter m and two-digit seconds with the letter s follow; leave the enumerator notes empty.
5h54
